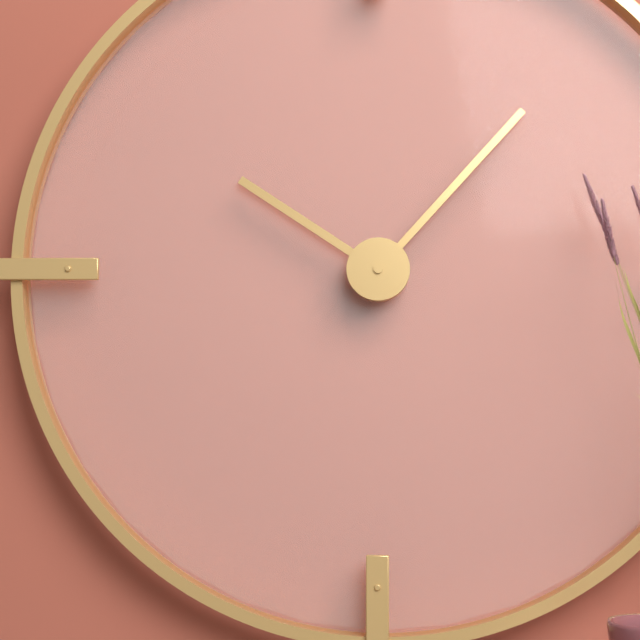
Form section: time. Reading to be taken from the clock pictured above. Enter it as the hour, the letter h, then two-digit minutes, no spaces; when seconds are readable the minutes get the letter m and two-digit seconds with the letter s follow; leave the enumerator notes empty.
10h07
